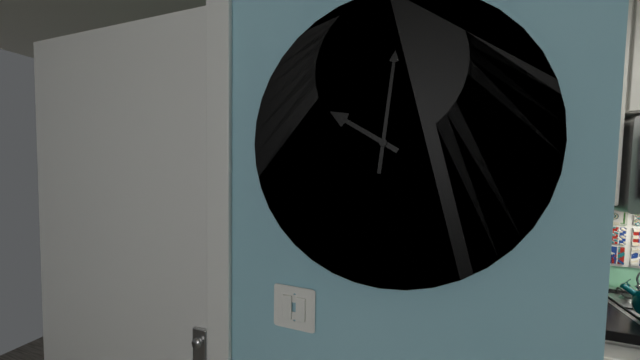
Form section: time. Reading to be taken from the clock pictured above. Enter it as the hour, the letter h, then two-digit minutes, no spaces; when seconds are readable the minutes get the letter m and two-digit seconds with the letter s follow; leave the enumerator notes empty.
10h01
